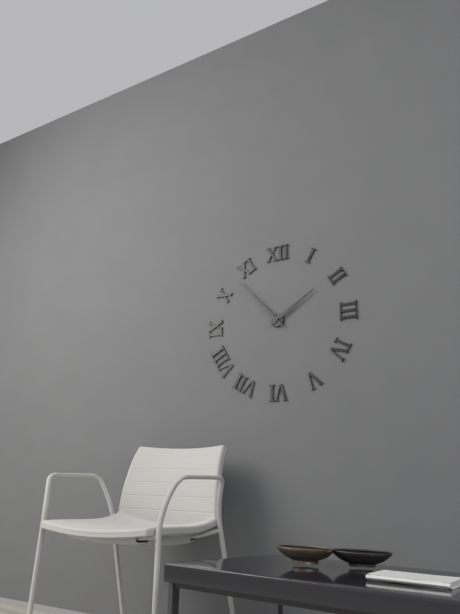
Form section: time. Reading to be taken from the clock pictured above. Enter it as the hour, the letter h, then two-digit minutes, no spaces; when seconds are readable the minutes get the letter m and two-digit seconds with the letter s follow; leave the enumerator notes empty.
1h53
